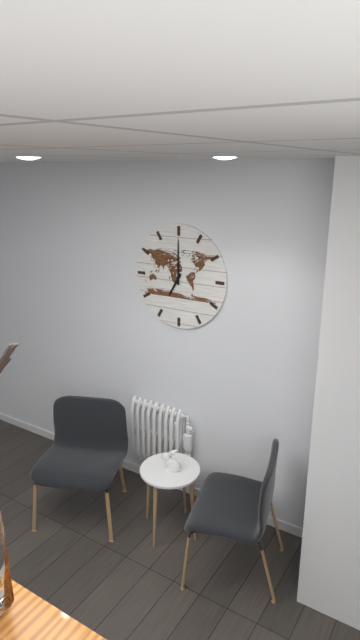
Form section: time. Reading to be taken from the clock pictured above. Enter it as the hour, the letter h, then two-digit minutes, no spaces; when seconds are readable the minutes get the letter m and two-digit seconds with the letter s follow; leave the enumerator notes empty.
7h00
